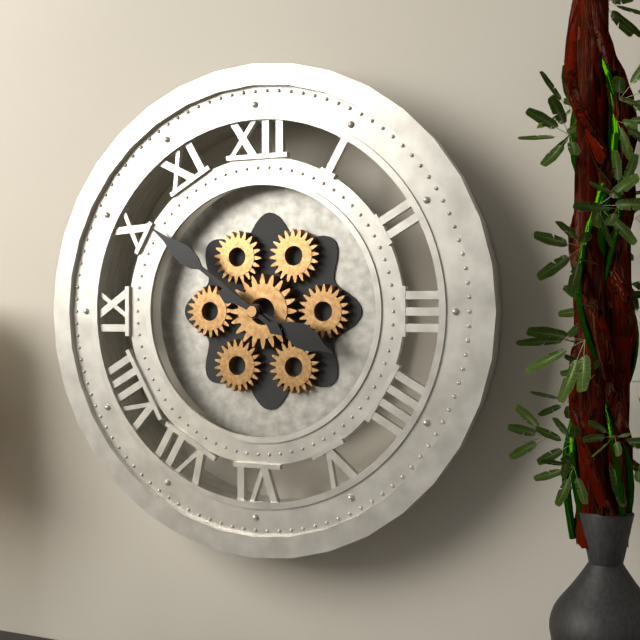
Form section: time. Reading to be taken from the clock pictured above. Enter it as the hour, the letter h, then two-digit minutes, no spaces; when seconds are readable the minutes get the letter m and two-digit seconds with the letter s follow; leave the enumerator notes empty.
3h51
